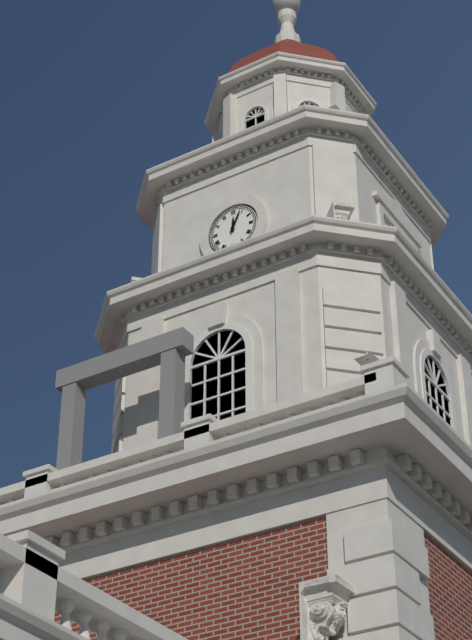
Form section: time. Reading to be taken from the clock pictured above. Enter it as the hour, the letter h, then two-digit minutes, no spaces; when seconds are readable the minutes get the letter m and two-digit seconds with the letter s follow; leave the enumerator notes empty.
12h04
